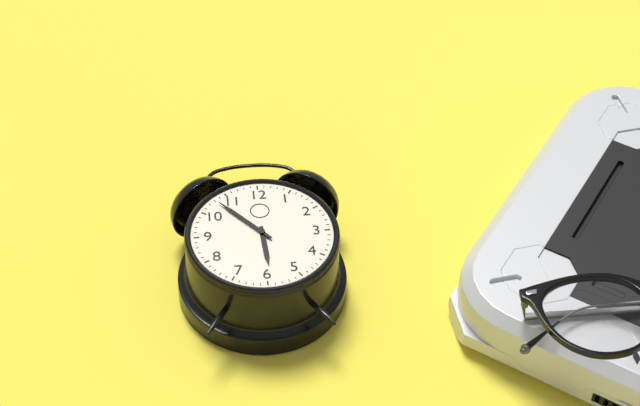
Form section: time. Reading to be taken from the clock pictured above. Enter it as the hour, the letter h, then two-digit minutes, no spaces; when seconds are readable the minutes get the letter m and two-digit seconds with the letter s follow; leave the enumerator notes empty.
5h53
